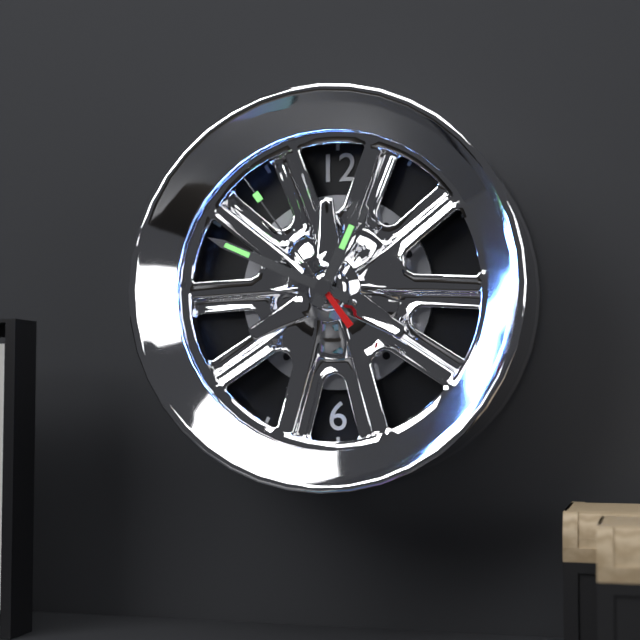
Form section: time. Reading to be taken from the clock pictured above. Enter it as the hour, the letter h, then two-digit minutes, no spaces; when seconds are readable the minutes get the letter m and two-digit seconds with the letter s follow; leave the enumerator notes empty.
12h49m54s
